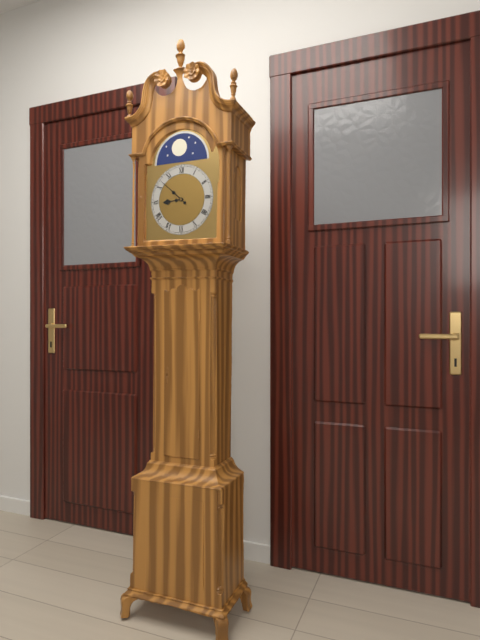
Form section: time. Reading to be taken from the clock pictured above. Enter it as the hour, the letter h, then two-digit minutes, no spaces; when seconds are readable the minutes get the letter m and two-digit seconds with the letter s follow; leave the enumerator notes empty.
8h52
